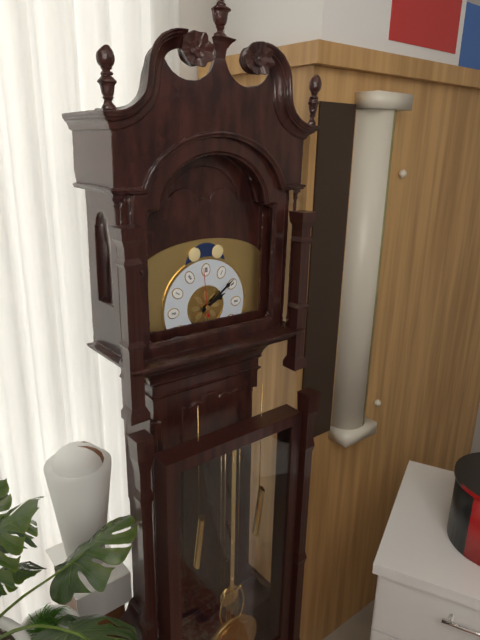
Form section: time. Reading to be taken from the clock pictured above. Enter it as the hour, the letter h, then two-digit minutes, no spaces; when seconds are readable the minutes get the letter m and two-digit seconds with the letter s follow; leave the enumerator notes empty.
2h09
